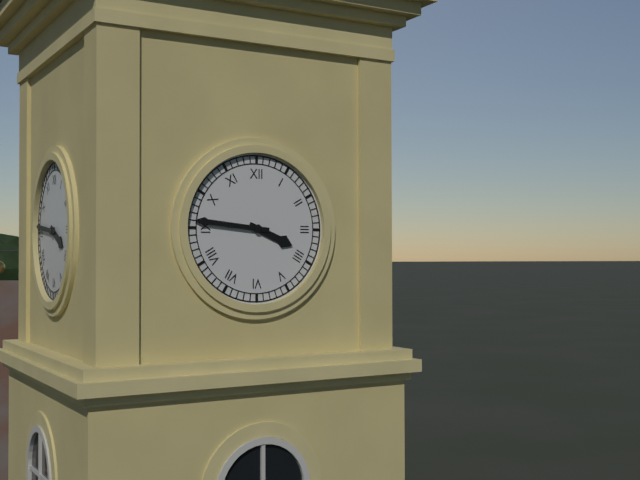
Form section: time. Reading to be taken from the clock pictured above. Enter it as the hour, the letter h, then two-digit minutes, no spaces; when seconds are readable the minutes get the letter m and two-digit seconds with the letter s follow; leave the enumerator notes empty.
3h46
